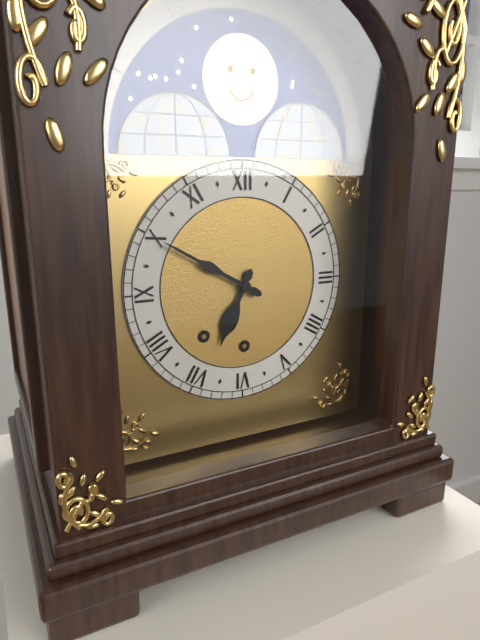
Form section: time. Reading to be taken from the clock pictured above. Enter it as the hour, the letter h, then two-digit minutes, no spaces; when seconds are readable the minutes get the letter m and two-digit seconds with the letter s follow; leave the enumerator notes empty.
6h50
